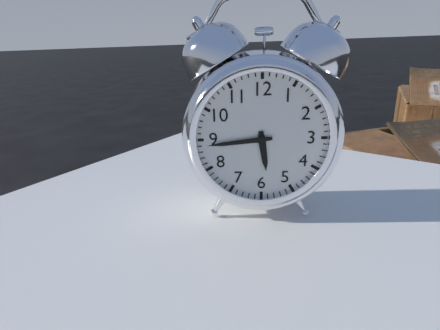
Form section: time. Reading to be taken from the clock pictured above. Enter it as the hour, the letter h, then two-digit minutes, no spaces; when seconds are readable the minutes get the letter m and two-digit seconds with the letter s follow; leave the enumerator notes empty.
5h44
